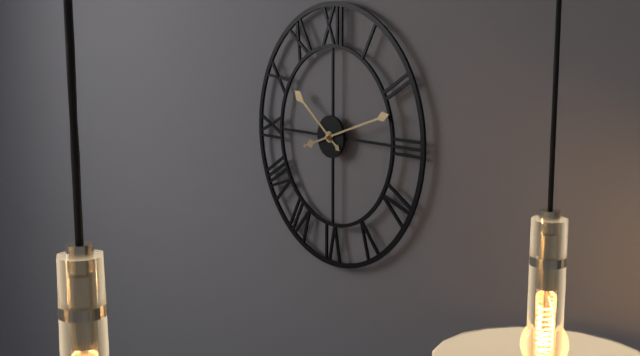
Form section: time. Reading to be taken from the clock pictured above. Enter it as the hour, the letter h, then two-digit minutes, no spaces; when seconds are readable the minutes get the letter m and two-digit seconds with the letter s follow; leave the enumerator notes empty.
10h12
